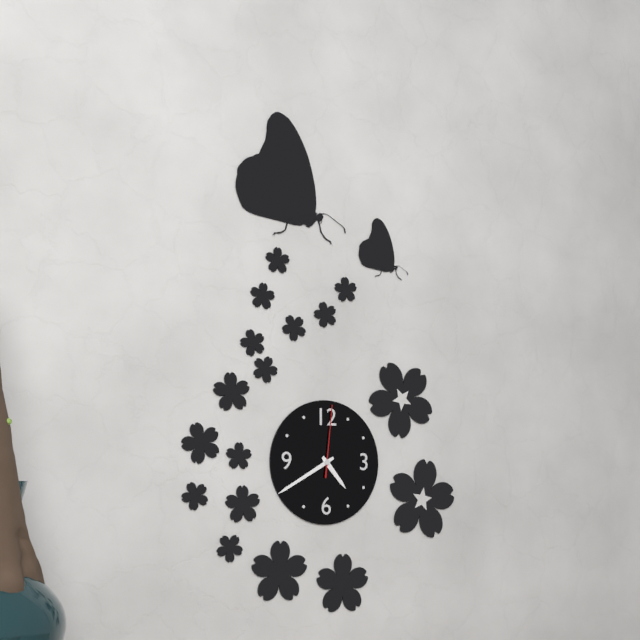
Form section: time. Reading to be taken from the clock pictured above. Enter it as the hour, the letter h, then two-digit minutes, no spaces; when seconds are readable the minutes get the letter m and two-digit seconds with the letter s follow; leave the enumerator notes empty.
4h40m01s
